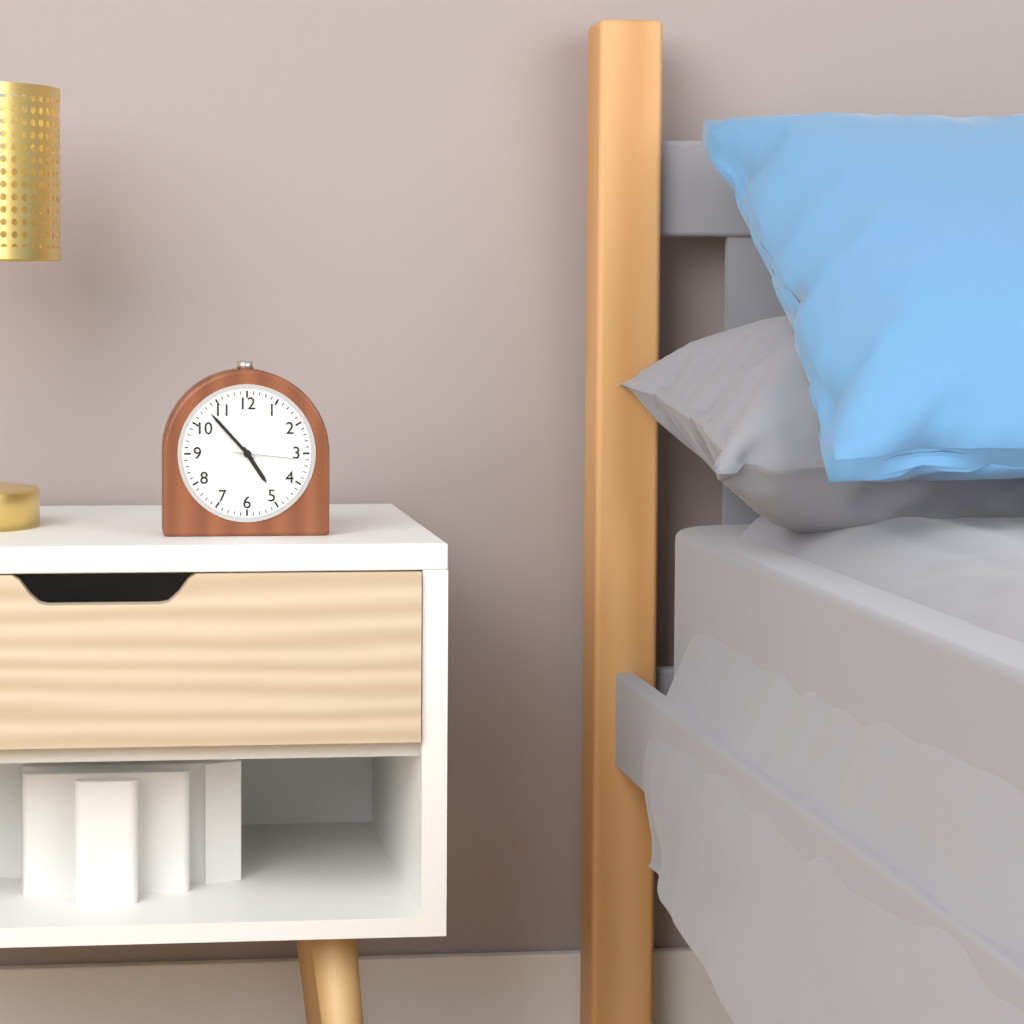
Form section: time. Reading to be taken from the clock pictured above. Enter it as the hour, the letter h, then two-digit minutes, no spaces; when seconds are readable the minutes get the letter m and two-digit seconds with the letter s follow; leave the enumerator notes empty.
4h53m16s
